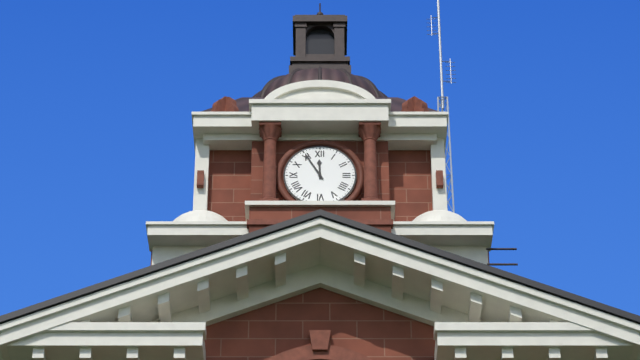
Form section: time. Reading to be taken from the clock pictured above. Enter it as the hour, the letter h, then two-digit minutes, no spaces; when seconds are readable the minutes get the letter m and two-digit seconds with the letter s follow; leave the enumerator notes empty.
11h55
